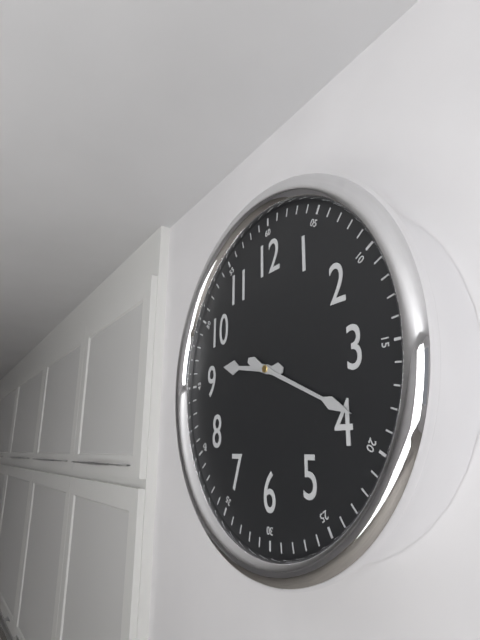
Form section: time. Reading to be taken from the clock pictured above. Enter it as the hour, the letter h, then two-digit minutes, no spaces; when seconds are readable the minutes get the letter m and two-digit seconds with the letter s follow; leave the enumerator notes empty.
9h19
